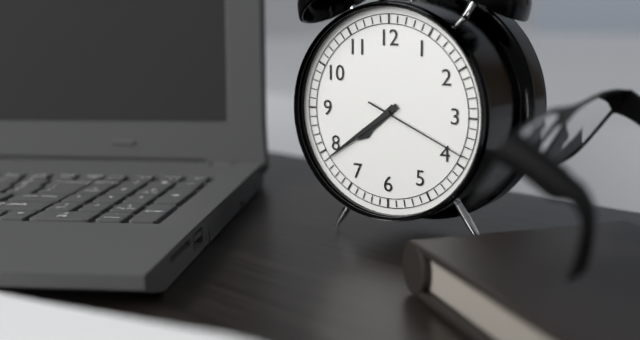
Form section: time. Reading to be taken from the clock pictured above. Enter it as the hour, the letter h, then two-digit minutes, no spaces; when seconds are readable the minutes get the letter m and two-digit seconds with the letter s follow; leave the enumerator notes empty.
7h39m19s
